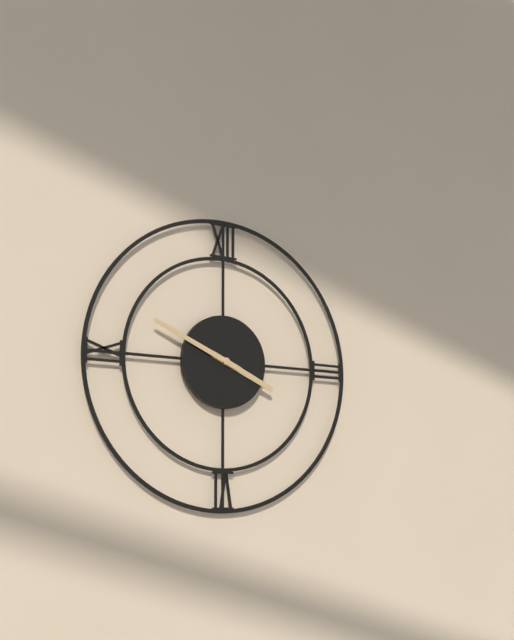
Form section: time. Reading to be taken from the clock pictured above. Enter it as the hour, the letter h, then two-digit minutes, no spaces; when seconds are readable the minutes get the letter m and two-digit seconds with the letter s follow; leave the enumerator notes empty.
3h49
